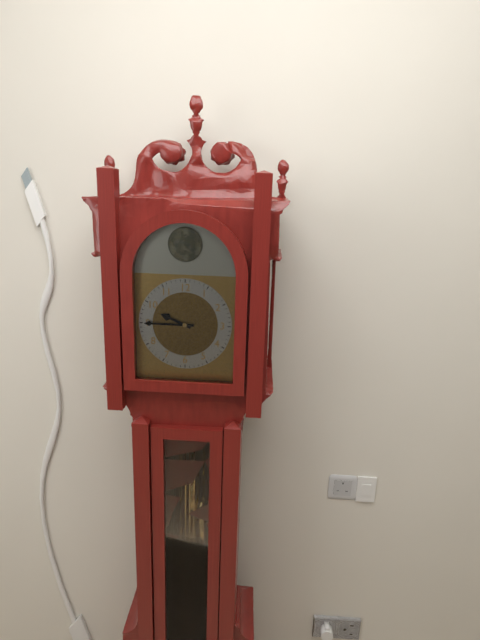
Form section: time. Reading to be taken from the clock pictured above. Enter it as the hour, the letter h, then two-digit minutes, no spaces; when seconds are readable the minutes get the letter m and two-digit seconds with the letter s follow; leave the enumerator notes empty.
9h45
